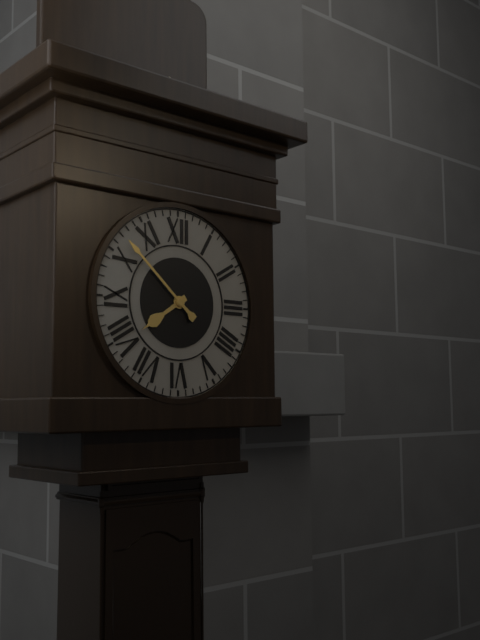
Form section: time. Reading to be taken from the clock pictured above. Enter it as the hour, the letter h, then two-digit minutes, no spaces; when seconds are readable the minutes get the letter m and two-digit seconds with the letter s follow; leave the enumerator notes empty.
7h52
